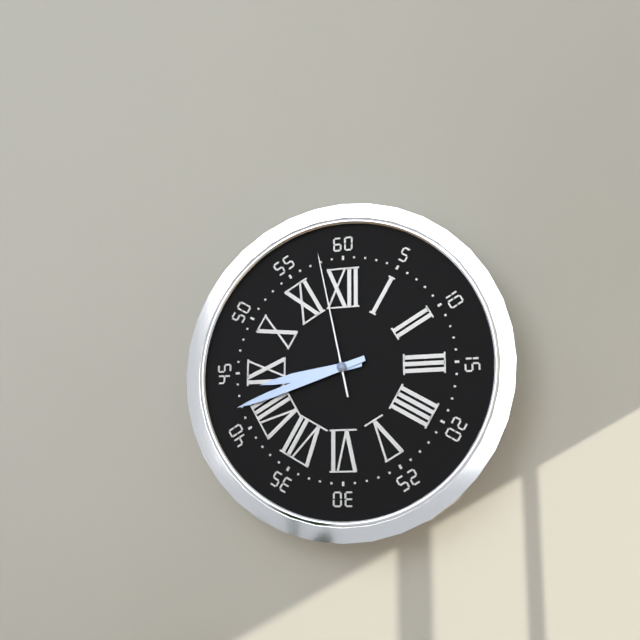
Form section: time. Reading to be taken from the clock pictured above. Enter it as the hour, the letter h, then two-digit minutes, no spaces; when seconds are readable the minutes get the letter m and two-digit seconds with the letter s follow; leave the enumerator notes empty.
8h42m58s
